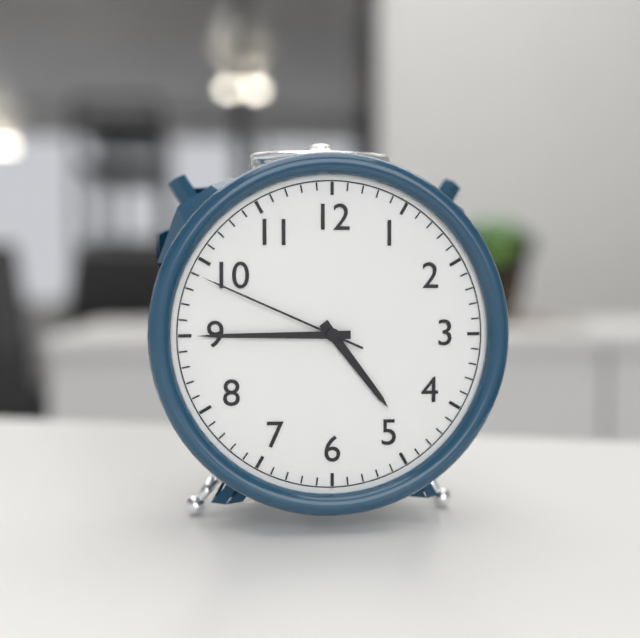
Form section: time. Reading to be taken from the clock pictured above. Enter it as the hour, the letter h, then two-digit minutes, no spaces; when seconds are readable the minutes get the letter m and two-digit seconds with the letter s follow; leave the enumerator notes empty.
4h45m49s
